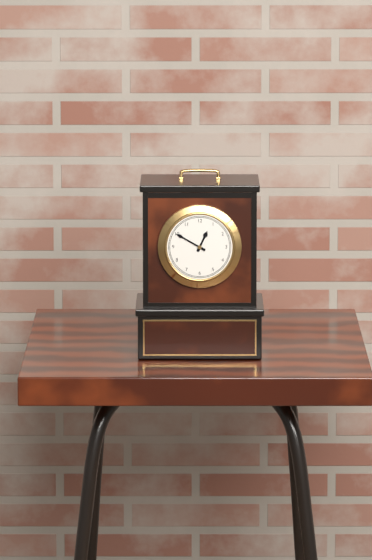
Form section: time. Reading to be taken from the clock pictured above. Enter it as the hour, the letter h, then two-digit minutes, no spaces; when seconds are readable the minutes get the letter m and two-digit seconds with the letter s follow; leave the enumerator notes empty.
12h50
